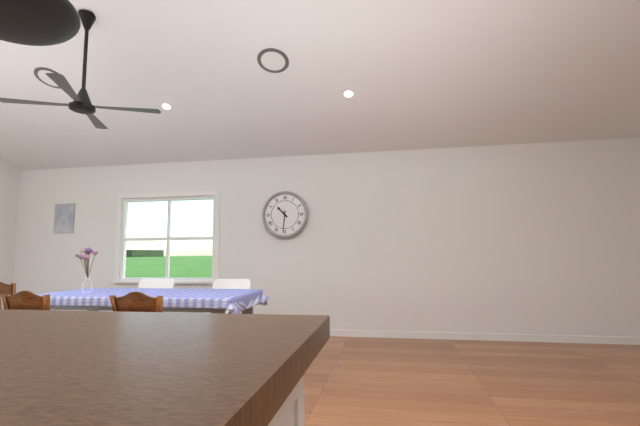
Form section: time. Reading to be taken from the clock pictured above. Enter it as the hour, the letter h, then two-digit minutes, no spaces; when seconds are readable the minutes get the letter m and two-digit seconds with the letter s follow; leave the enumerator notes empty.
10h31
